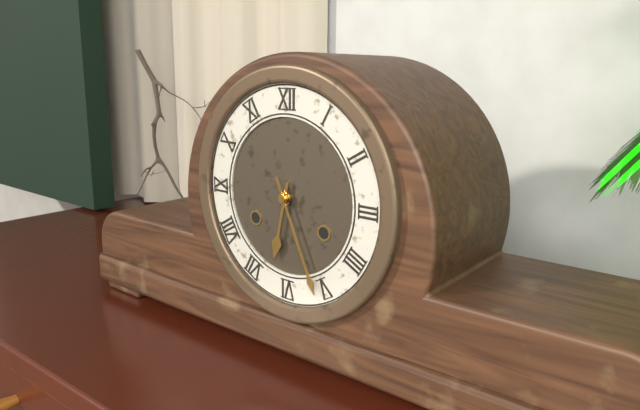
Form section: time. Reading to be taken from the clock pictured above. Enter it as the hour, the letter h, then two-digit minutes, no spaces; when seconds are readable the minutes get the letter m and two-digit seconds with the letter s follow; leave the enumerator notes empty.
6h26
